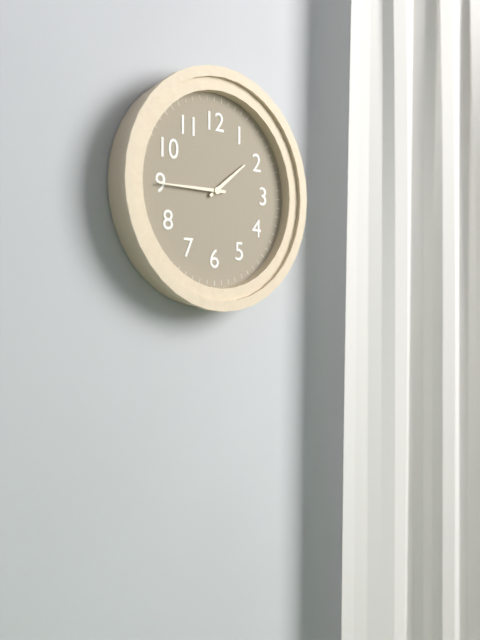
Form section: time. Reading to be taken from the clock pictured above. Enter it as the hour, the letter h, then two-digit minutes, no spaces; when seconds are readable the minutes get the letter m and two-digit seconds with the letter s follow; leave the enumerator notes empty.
1h45
